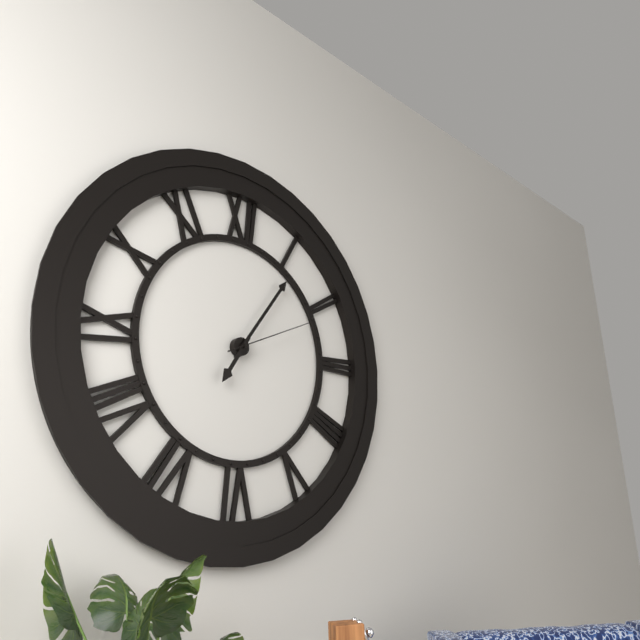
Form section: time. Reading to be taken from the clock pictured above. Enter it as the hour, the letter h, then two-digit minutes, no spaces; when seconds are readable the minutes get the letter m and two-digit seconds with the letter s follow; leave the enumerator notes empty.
7h06m11s
